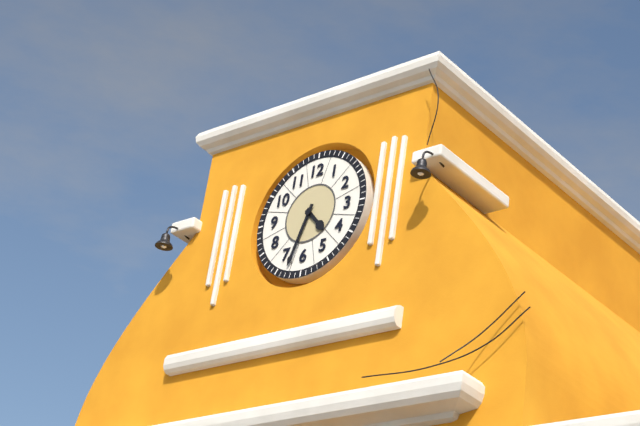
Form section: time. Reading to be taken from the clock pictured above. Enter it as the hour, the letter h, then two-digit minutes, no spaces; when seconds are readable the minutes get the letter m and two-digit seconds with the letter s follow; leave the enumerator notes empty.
4h33
